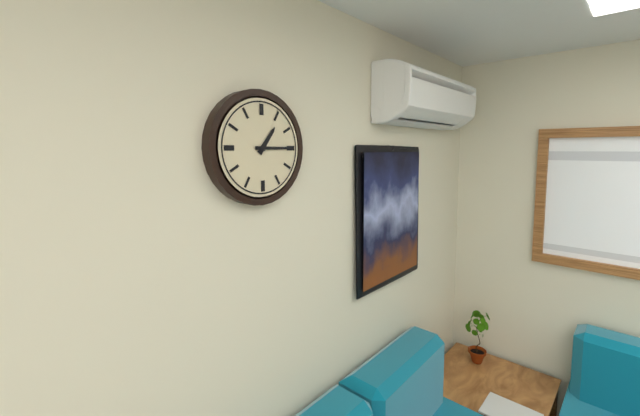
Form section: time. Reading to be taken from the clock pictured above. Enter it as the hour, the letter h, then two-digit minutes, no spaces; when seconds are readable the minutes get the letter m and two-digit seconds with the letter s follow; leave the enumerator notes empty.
1h15
